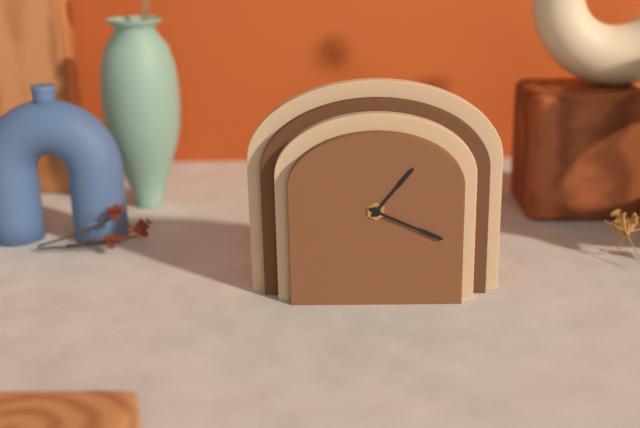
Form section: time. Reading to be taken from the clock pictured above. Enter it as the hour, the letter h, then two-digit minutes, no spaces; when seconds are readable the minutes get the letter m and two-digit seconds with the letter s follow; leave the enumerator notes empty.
1h19
